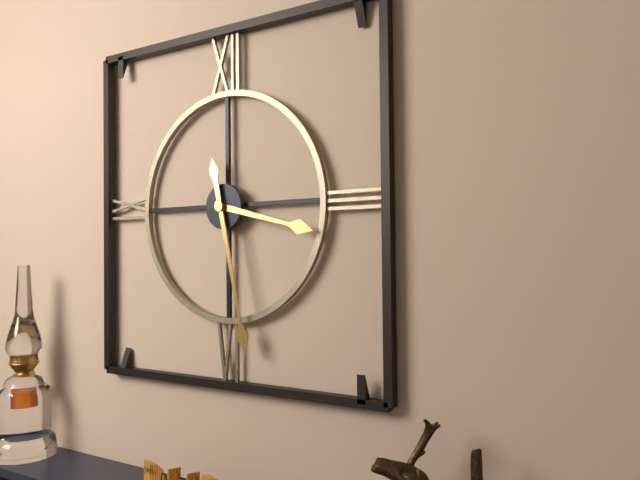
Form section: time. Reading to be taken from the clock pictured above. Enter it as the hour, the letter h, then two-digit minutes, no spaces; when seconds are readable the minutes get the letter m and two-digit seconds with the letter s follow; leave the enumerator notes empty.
3h28
